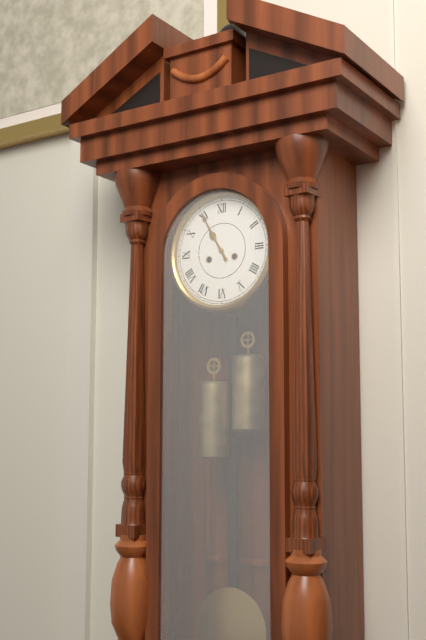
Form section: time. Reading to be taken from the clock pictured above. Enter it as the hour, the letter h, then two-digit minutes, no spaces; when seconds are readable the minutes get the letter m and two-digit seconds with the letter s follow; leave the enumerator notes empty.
10h55
